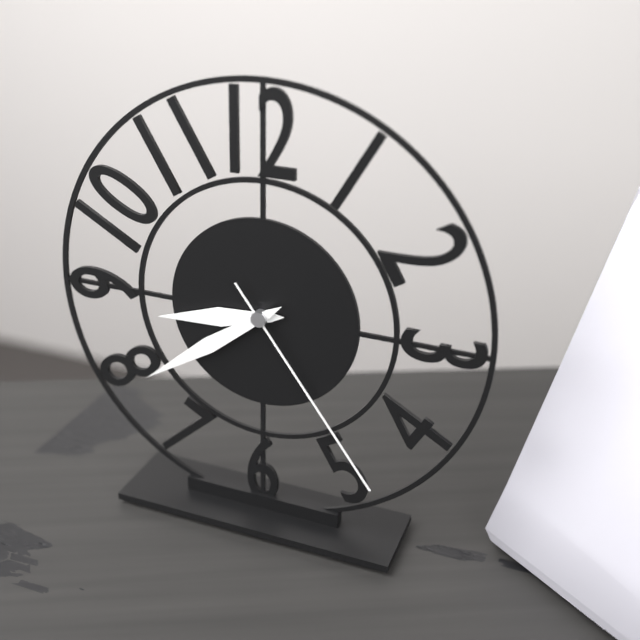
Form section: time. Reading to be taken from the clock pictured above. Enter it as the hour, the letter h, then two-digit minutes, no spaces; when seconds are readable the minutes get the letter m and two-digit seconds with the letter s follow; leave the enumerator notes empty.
8h39m24s
